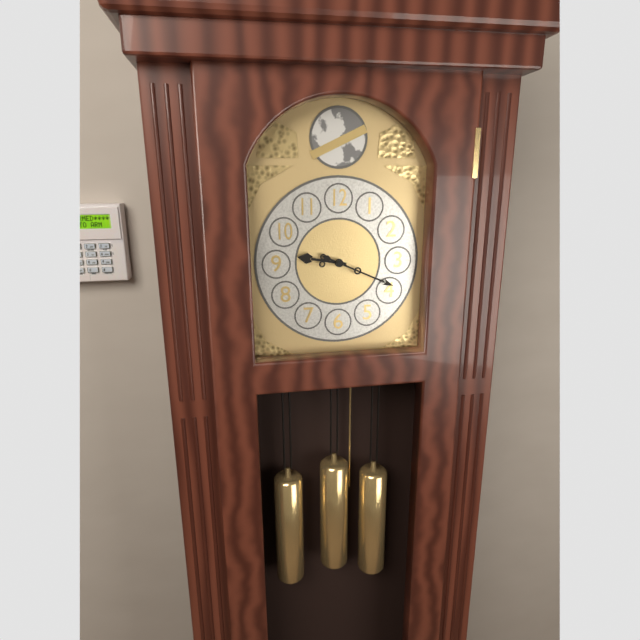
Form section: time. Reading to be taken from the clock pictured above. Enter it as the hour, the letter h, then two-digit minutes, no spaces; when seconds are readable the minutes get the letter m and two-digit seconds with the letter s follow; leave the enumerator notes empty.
9h19
